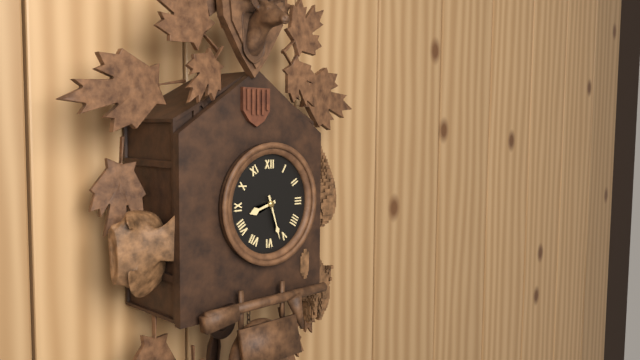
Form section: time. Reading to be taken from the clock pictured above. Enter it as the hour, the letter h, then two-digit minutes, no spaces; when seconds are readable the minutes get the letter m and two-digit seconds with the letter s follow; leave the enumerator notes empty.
8h27
